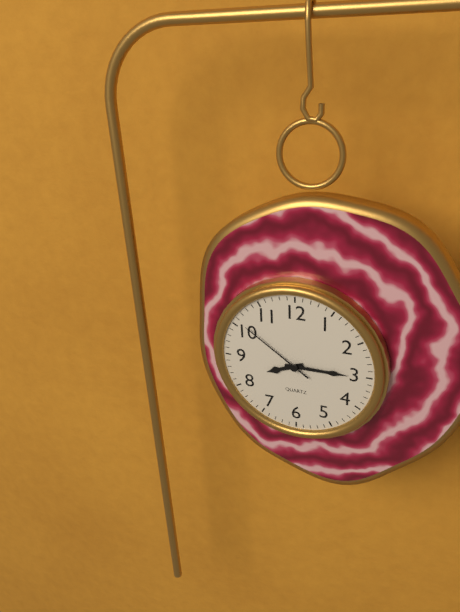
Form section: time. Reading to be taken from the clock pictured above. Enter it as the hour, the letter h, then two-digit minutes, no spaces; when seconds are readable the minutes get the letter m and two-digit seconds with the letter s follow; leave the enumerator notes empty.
8h15m51s
